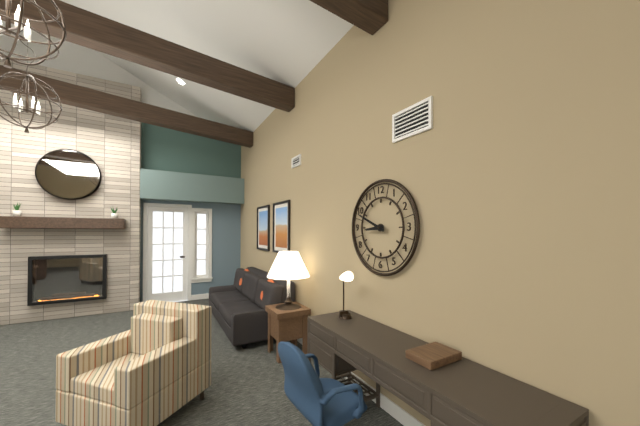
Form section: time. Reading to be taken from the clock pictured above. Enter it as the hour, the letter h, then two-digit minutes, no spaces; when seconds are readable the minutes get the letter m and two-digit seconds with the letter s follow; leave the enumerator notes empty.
8h49
